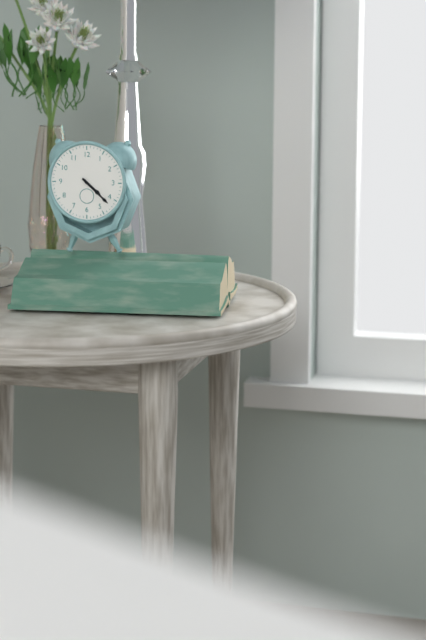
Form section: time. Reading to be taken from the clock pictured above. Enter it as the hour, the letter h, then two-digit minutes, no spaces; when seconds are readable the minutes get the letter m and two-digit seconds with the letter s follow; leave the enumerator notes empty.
4h22
